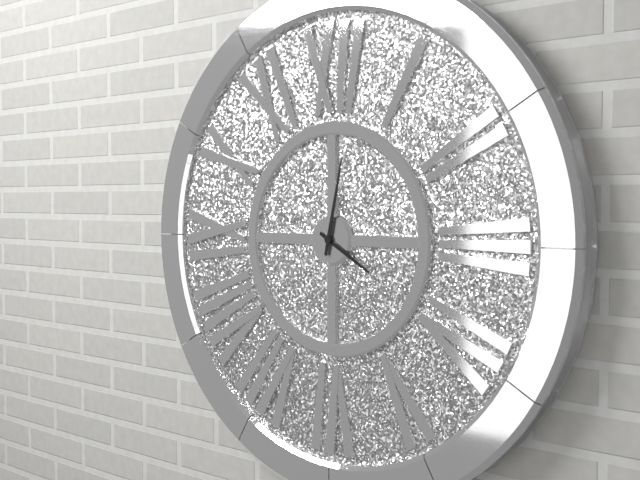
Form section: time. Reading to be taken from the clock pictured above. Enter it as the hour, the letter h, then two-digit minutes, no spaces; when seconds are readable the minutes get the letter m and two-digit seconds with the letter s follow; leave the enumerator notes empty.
4h02
